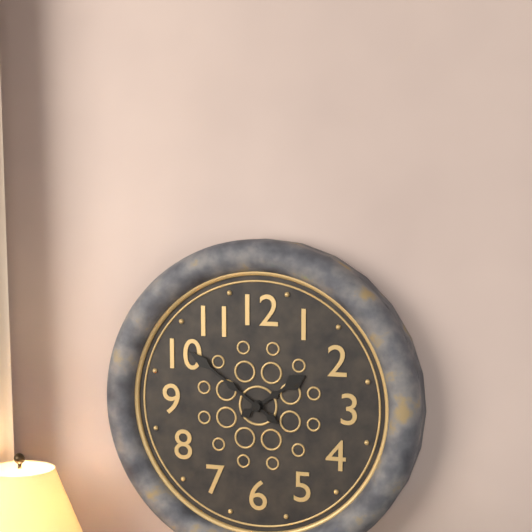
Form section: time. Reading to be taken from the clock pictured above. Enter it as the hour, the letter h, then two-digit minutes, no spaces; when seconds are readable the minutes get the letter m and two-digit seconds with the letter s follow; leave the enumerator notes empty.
1h51
